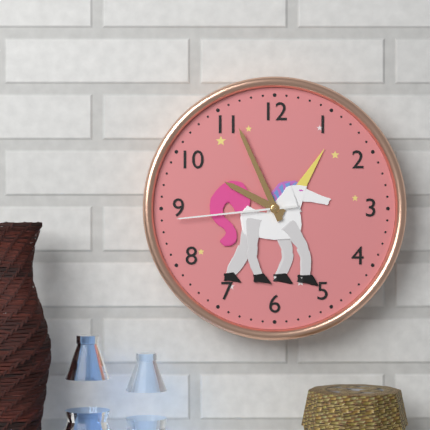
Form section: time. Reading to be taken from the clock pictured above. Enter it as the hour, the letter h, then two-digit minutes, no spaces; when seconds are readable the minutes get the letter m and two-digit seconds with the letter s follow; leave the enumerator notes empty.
9h56m44s
